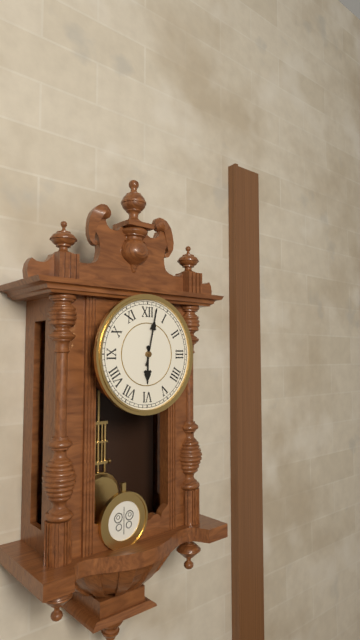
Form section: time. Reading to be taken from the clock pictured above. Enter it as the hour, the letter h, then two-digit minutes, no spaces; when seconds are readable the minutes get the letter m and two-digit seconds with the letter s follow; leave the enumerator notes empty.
6h02
